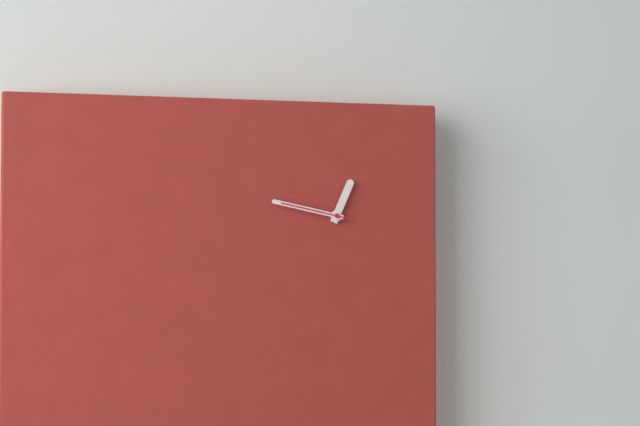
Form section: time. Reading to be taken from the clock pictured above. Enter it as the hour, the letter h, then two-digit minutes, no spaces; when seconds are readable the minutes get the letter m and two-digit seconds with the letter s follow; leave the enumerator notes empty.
12h47m47s
